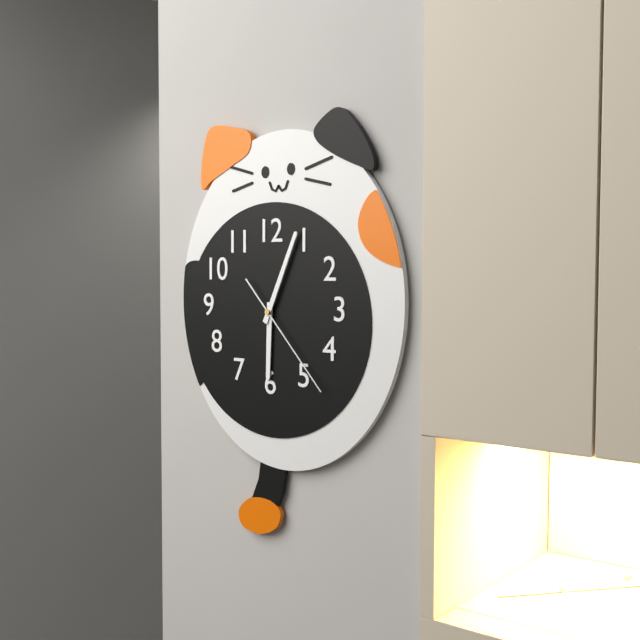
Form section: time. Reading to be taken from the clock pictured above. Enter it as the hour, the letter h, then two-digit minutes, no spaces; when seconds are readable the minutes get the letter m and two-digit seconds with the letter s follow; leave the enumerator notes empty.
6h04m23s
